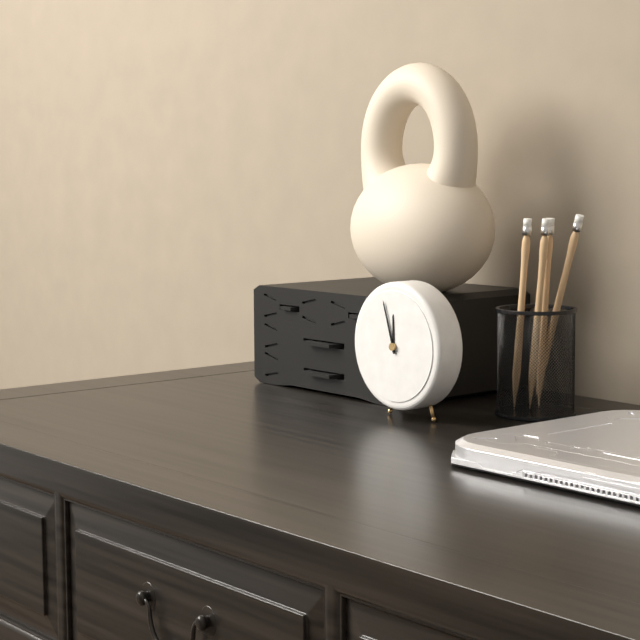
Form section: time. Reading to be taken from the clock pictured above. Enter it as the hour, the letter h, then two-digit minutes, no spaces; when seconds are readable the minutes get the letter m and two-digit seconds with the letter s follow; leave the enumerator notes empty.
11h57
